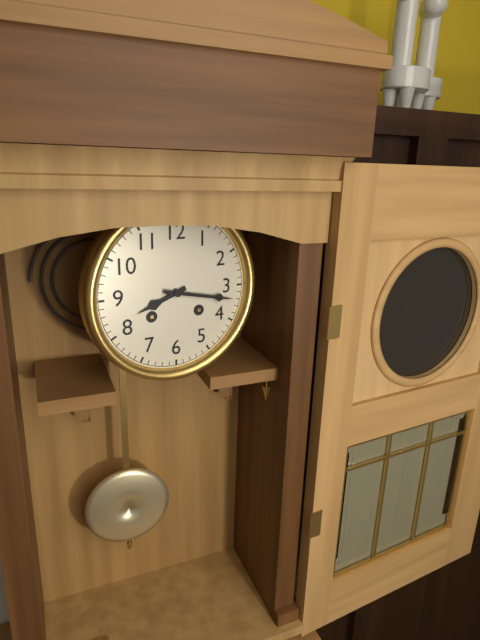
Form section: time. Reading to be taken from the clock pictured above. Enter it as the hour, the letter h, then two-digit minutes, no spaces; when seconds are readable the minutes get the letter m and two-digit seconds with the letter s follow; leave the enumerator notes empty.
8h17
